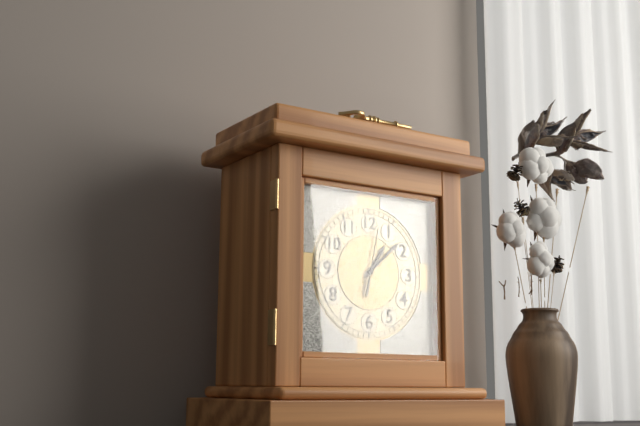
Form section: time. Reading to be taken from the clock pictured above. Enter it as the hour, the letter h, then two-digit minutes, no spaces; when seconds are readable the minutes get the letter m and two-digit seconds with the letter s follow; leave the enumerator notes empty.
1h08m02s
